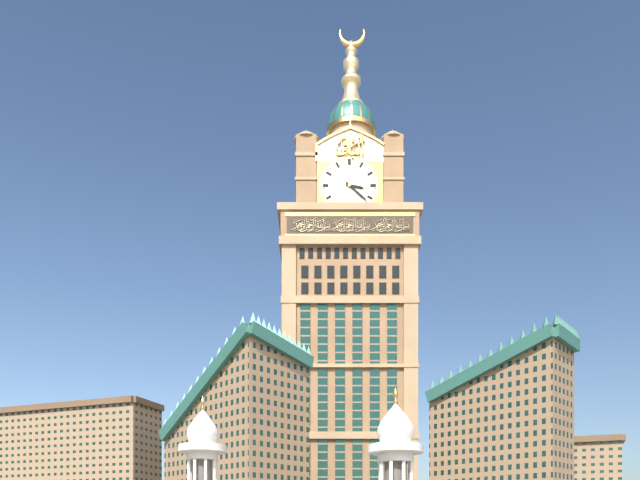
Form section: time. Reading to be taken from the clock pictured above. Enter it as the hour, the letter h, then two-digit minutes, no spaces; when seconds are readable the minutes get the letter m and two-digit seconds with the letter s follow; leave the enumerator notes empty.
3h22
